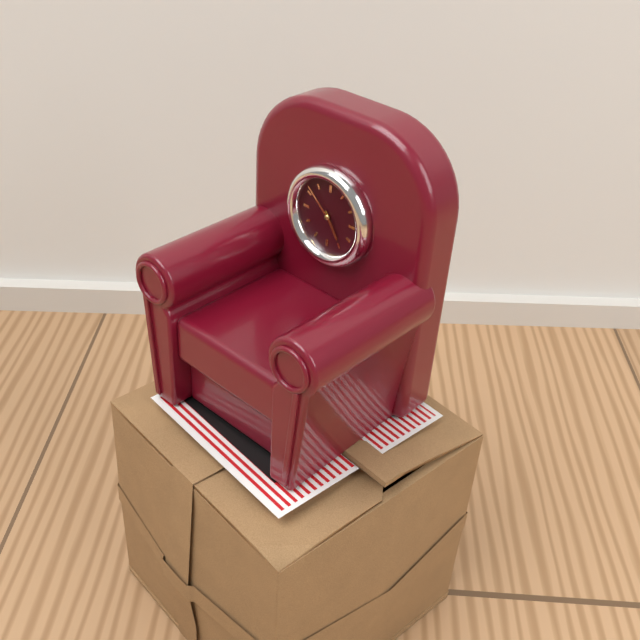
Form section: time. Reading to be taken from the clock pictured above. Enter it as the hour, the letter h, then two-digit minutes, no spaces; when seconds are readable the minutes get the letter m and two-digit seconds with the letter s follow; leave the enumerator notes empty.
4h52
